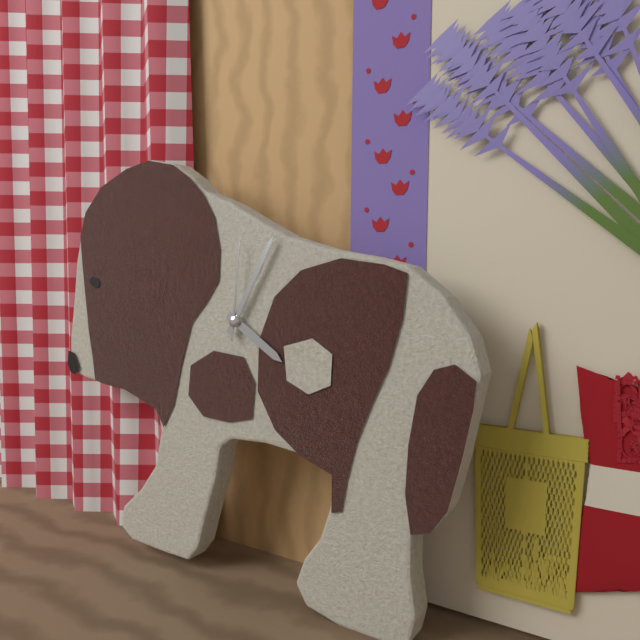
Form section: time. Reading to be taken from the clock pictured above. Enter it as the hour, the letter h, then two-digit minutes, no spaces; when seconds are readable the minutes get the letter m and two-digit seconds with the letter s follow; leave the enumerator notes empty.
4h05m01s
